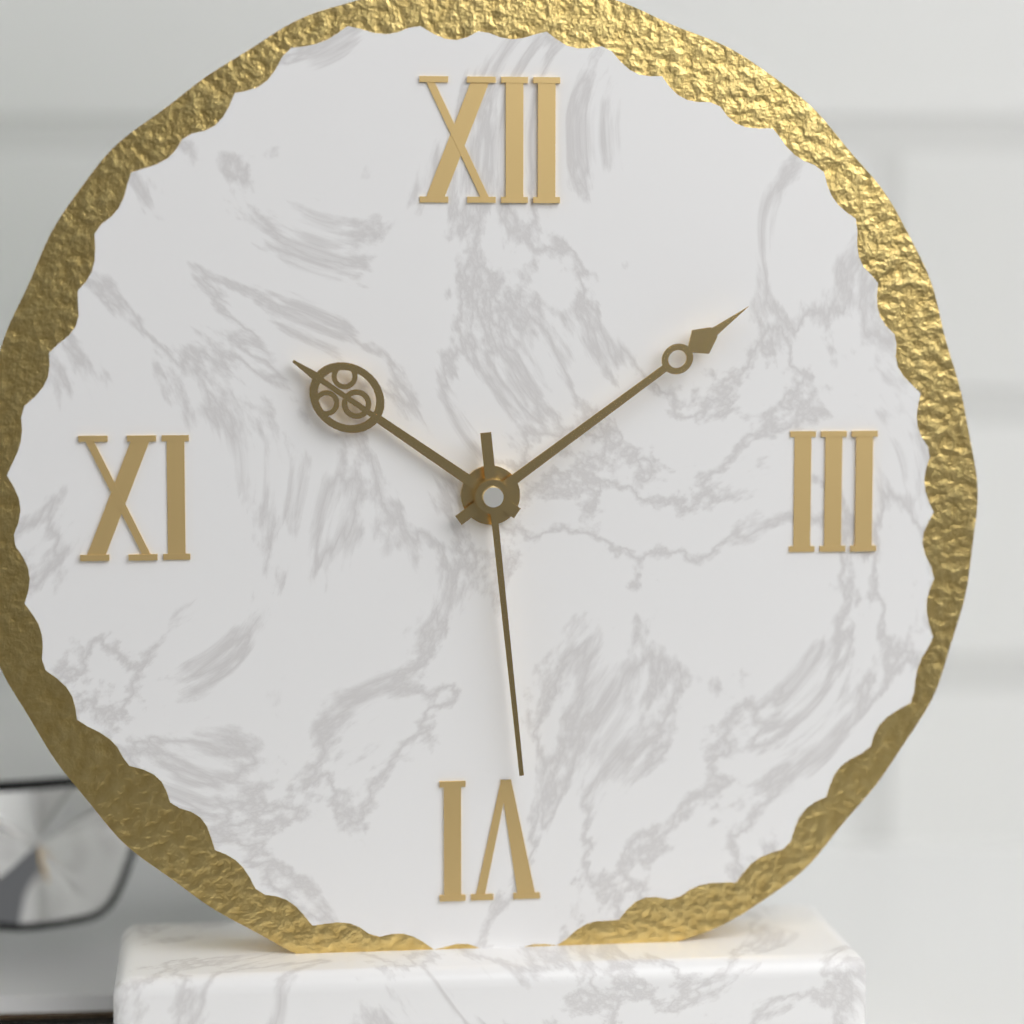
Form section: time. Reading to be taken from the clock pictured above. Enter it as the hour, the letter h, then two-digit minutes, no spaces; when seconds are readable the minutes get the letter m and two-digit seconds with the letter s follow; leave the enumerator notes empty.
10h09m29s
